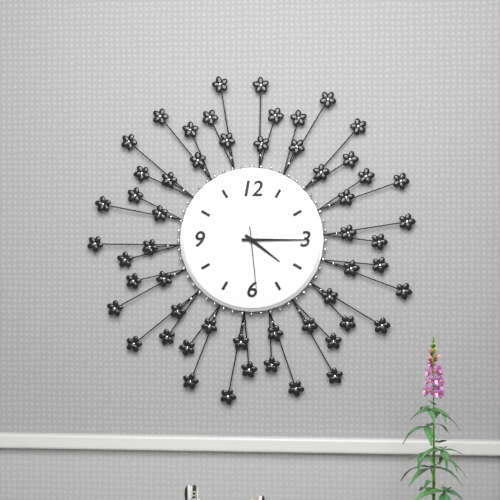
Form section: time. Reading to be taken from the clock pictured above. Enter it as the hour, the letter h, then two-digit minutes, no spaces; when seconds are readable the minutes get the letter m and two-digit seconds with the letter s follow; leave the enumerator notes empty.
4h15m29s
